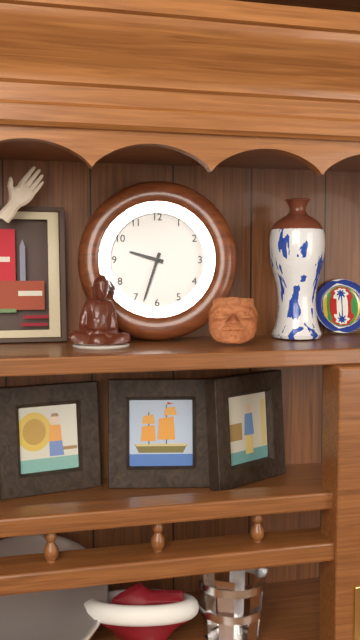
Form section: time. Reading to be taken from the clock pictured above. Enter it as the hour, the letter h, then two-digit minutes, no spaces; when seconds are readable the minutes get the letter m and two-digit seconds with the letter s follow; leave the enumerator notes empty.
9h33
